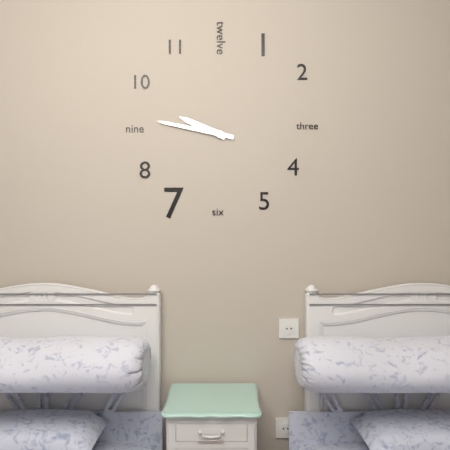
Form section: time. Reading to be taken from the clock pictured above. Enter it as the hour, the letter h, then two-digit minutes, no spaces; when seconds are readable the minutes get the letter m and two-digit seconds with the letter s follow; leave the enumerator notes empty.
9h47
